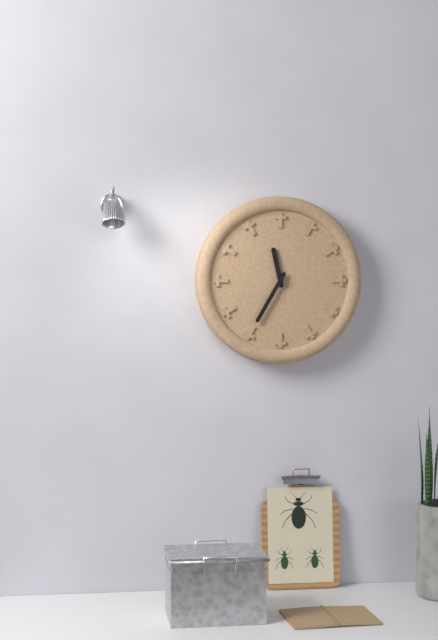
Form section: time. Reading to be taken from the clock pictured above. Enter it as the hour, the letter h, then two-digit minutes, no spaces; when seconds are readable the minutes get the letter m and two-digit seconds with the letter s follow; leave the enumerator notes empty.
11h35
